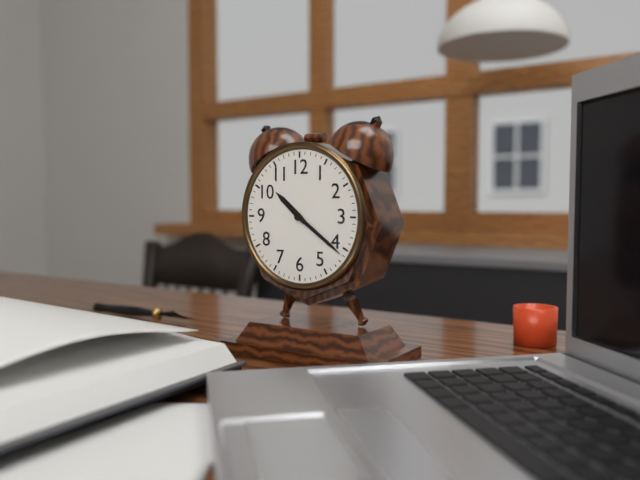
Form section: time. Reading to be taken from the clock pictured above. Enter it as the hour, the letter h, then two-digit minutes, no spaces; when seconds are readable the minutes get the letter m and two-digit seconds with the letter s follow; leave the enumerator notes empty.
10h21
